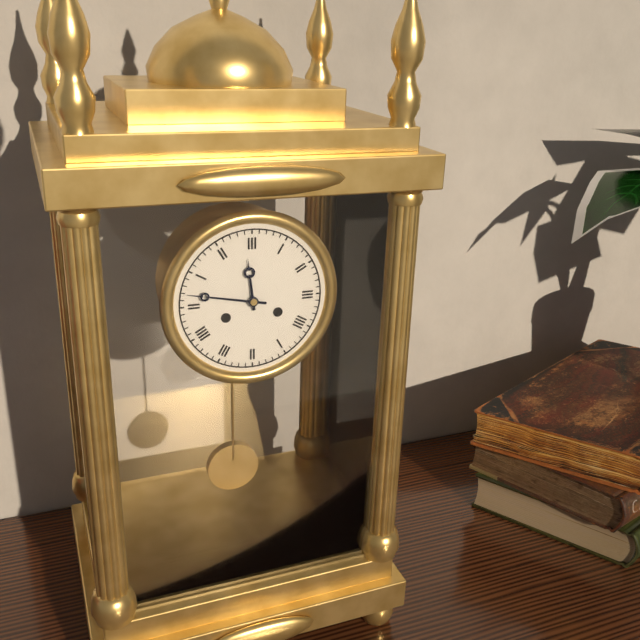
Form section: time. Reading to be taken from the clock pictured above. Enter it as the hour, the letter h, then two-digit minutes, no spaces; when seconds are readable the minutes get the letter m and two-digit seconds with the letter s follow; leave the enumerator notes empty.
11h47
